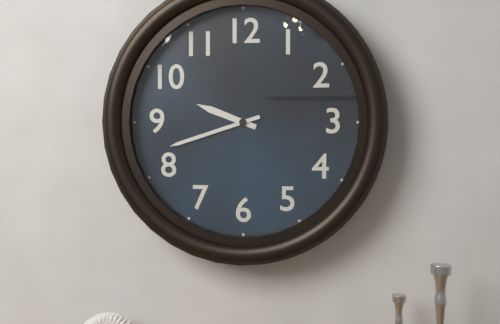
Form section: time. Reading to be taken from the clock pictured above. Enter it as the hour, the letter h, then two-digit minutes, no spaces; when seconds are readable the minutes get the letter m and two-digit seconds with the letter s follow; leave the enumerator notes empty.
9h42
